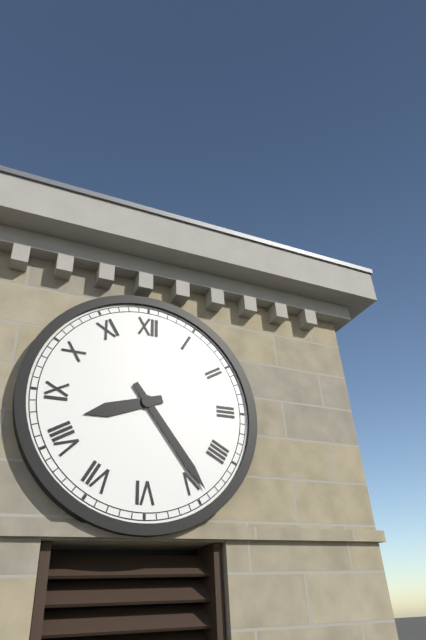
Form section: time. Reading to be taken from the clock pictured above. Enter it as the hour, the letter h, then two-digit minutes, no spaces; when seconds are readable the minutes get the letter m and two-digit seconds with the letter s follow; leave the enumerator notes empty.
8h24
